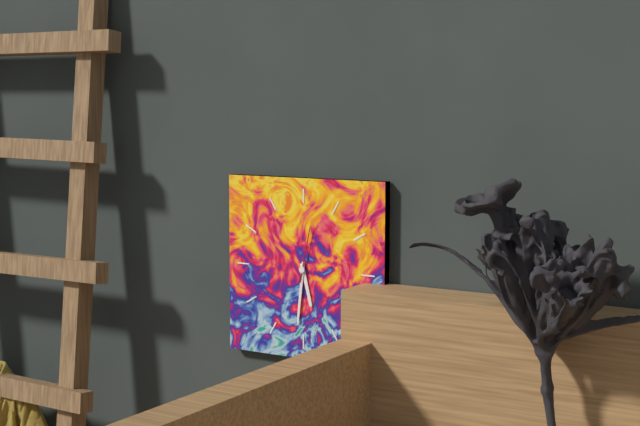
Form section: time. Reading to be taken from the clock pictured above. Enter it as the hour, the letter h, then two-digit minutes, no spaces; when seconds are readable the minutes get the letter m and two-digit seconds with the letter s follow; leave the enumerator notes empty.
5h31m02s
